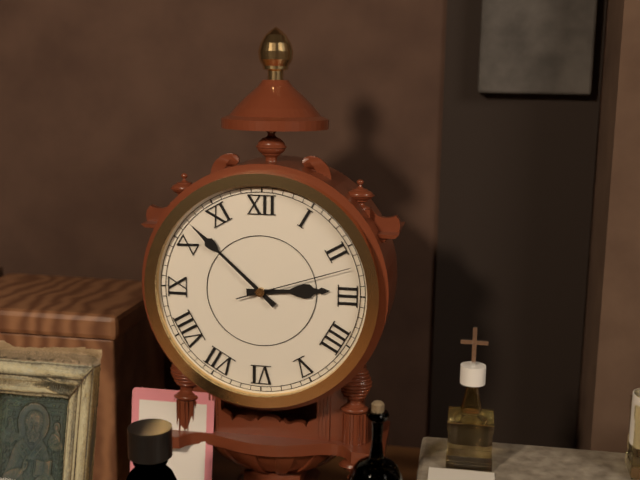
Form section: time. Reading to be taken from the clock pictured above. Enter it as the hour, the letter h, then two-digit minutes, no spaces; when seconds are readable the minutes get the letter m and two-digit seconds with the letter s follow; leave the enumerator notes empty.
2h52m12s
